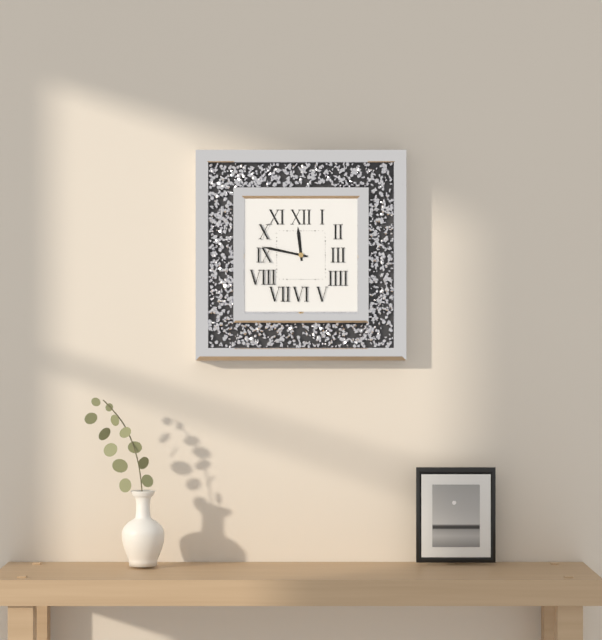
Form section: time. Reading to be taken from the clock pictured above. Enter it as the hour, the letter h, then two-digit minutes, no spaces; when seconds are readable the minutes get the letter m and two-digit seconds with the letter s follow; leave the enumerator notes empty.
11h47
